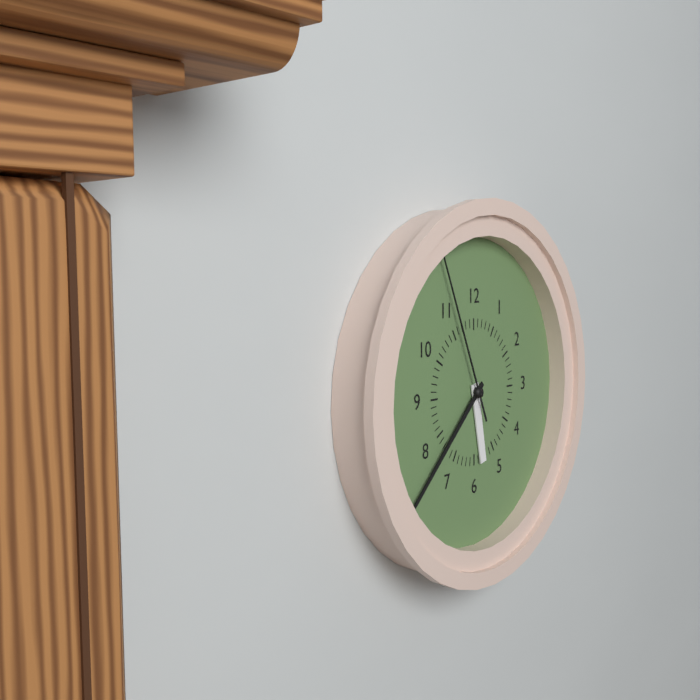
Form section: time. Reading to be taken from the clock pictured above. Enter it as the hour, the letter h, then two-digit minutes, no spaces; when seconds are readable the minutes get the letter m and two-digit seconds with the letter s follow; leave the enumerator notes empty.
5h38m56s
